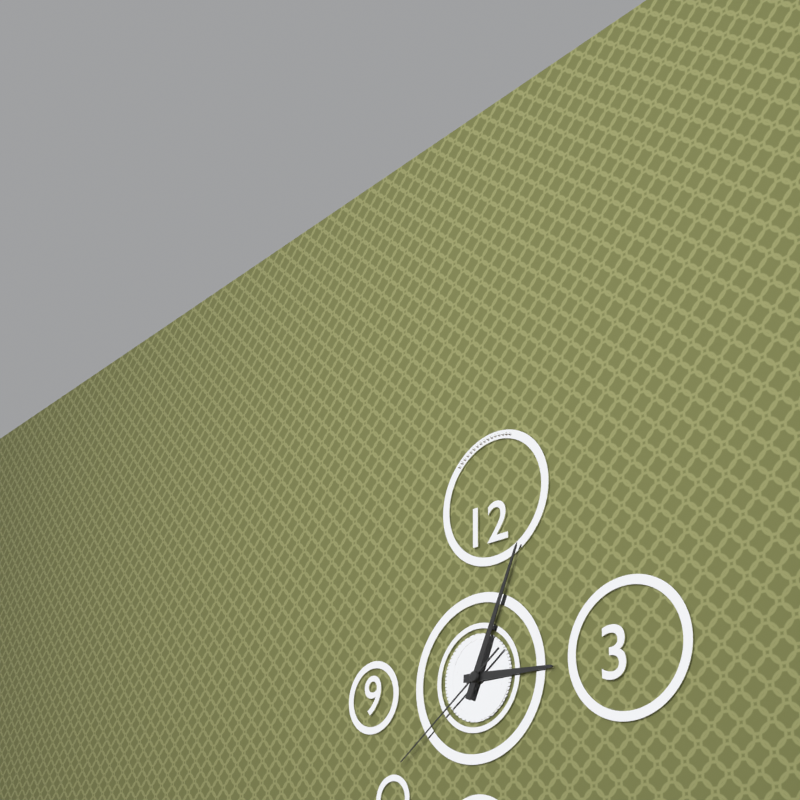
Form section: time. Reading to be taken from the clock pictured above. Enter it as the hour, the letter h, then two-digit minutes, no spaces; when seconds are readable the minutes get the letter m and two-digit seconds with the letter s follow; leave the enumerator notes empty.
3h04m39s
